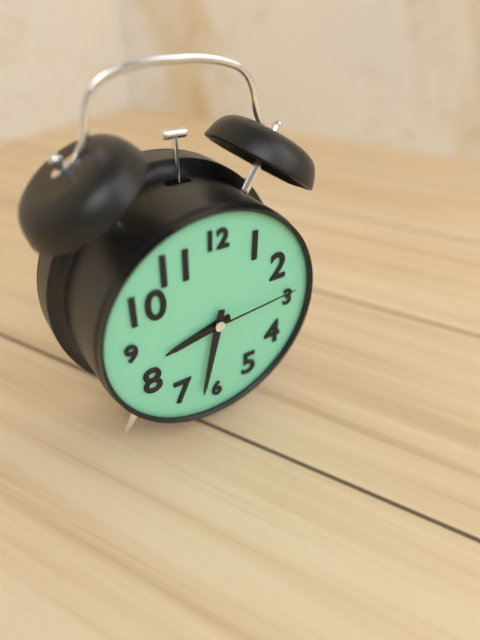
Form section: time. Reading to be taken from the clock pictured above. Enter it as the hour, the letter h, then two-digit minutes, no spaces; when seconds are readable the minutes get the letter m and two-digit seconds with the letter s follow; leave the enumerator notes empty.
8h32m14s
